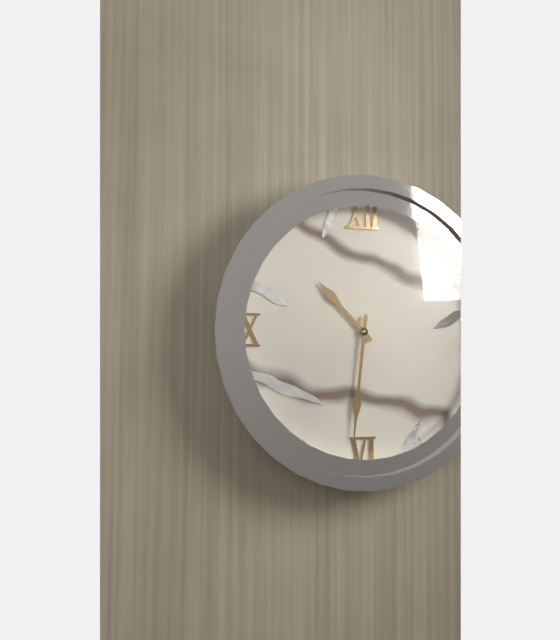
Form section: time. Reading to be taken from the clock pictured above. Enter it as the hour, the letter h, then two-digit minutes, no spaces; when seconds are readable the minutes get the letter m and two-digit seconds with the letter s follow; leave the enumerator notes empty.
10h31
